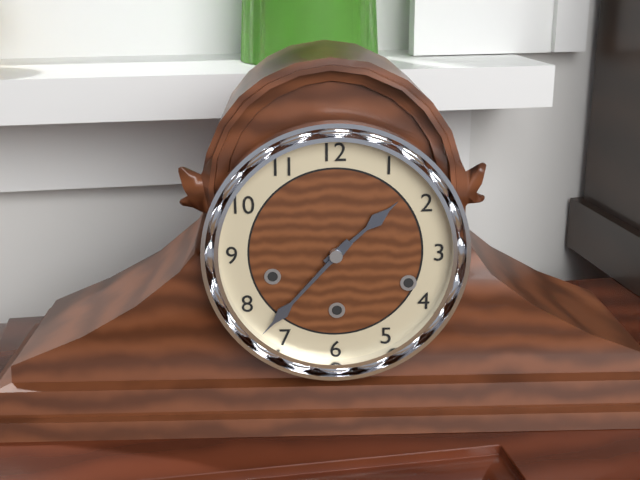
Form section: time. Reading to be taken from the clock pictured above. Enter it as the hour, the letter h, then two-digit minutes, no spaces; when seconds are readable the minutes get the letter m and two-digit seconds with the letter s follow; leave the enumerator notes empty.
1h37
